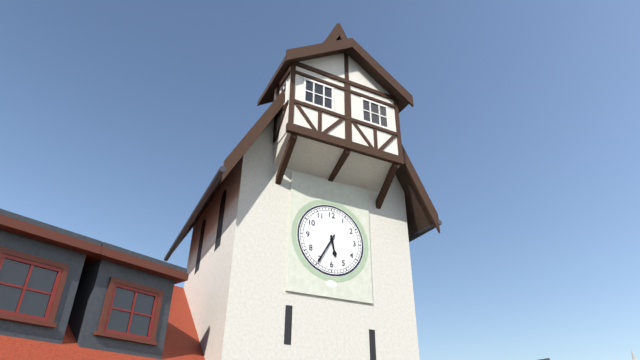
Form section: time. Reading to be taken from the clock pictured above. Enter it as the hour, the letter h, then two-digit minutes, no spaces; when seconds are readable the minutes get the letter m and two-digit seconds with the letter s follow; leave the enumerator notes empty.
5h35
